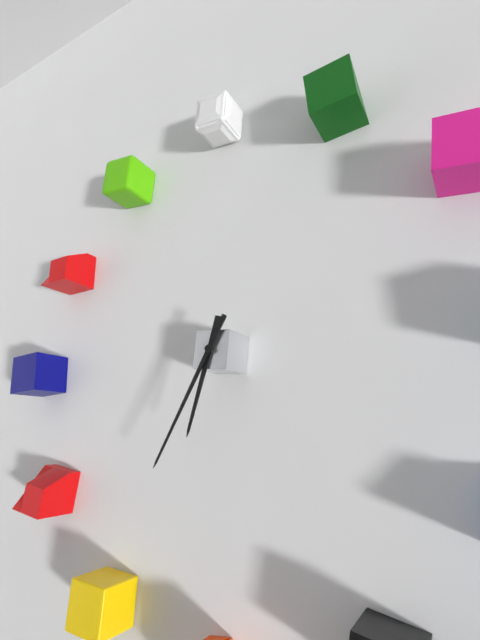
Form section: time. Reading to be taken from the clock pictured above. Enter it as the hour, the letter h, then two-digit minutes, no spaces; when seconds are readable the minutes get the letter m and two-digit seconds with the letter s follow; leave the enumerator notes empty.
6h35
